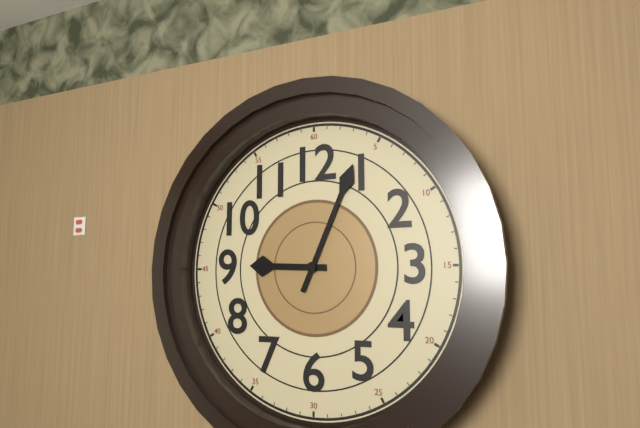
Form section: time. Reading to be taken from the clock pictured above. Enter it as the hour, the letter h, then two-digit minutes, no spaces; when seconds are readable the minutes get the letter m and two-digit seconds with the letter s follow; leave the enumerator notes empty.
9h04
